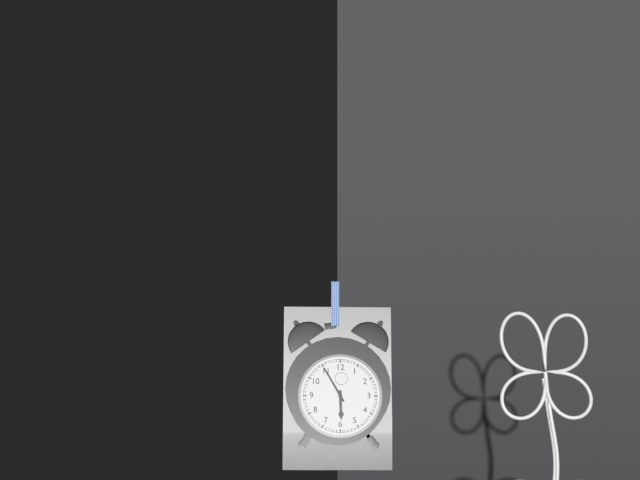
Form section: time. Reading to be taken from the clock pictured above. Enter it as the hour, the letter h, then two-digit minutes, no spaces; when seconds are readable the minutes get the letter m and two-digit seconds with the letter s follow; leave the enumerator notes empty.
5h55
